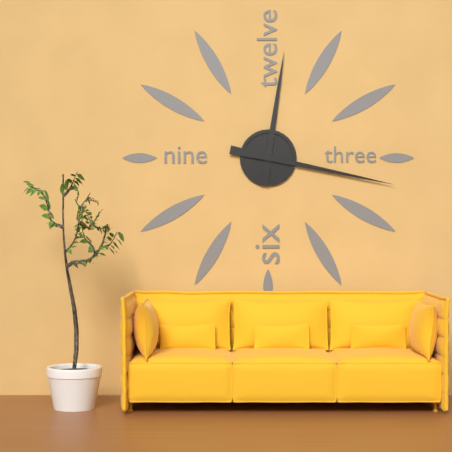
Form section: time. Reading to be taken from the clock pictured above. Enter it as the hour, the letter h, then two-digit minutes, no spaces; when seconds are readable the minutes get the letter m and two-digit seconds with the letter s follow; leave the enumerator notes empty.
12h17
